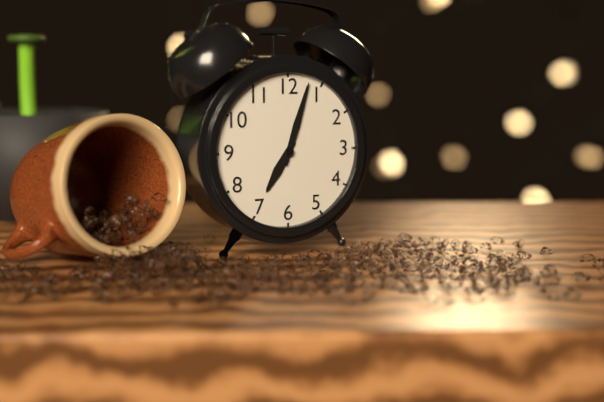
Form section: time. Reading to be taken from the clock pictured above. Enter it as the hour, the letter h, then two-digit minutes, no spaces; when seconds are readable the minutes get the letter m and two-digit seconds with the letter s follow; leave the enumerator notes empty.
7h03
